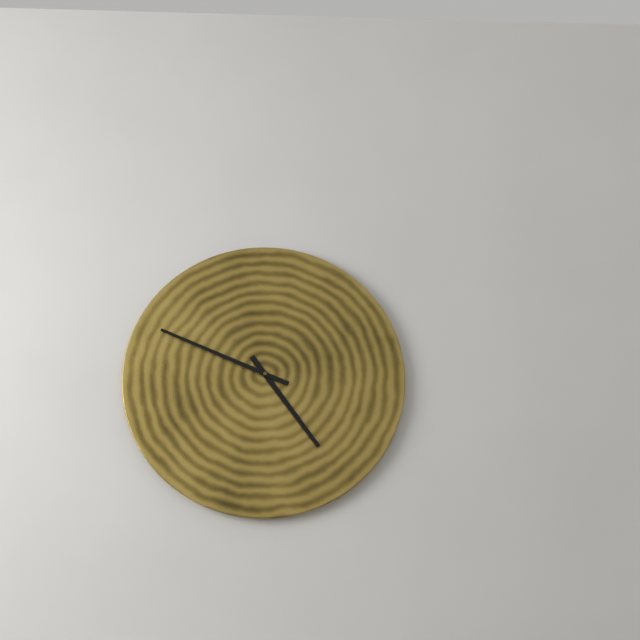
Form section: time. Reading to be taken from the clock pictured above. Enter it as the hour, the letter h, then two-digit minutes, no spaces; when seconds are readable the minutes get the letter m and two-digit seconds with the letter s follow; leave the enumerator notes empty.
4h49
